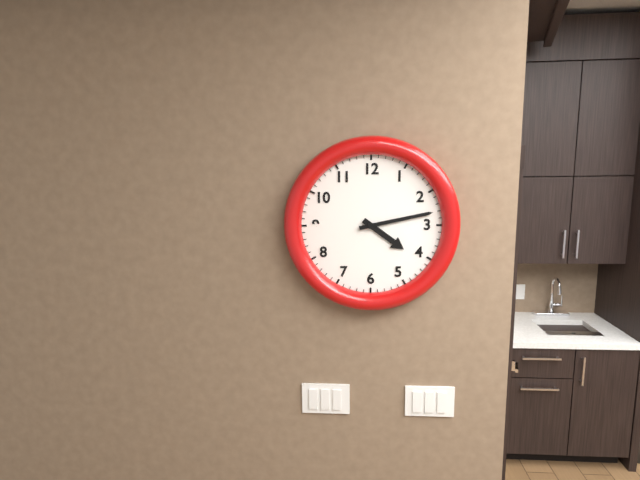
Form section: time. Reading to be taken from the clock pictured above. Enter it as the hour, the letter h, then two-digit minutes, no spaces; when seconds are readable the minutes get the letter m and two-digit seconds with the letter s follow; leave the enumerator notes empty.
4h13
